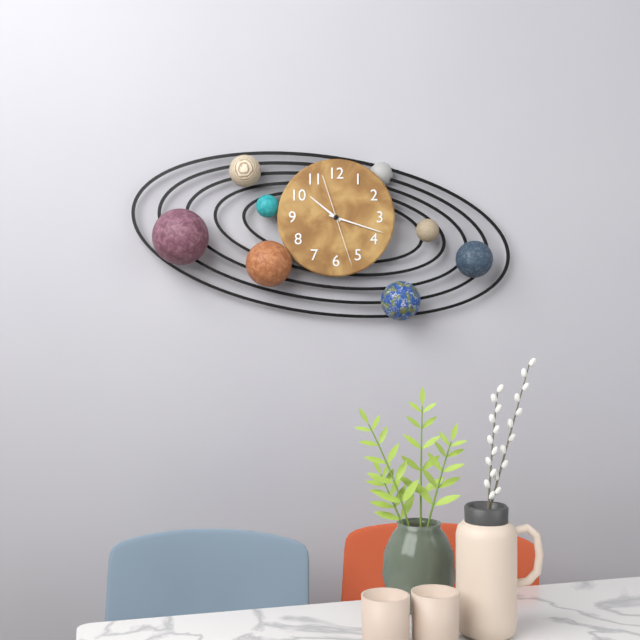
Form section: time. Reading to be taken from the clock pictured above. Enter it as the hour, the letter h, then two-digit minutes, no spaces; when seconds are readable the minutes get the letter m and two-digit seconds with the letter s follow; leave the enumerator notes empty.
10h18m27s
